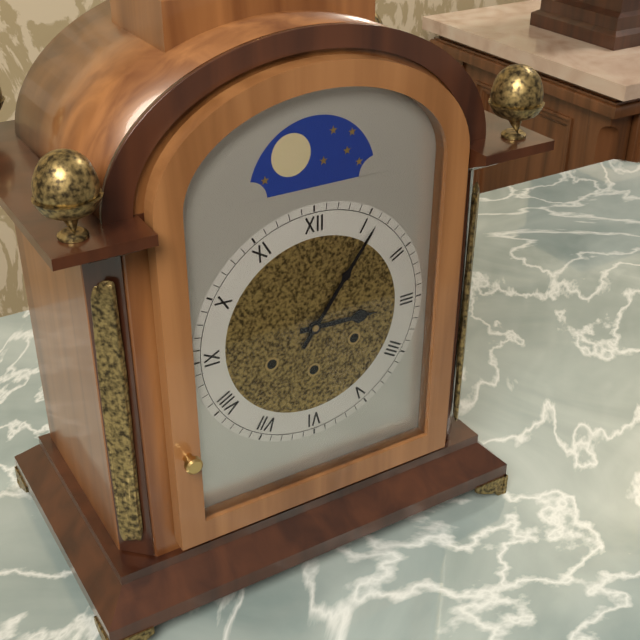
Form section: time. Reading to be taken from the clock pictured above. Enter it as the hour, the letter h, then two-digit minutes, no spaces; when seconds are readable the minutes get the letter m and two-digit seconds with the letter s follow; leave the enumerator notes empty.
3h06
